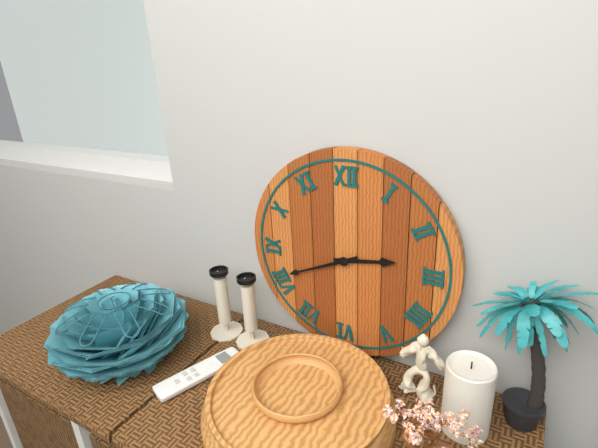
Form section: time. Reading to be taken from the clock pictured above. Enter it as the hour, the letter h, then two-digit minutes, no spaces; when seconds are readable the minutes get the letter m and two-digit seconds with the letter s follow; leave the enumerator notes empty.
2h41
